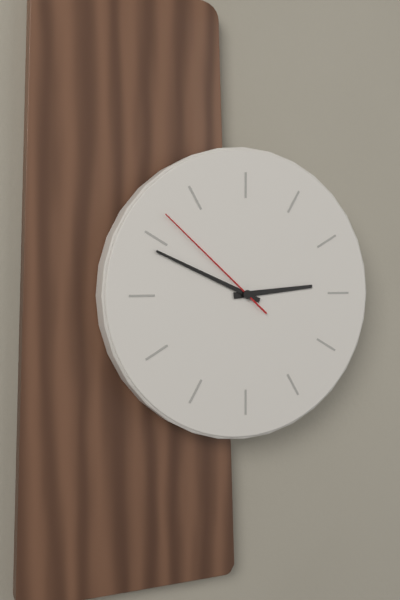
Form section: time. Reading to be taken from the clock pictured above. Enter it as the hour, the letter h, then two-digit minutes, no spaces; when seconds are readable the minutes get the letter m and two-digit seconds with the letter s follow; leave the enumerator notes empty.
2h49m52s
